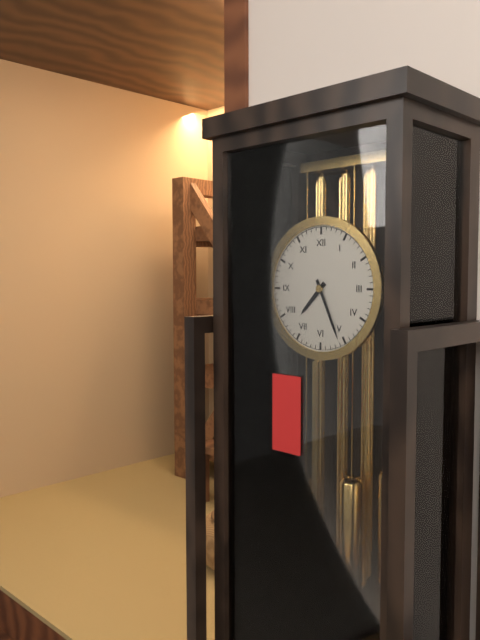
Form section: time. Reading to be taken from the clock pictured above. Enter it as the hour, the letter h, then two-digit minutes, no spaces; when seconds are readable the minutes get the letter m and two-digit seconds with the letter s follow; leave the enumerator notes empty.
7h26
